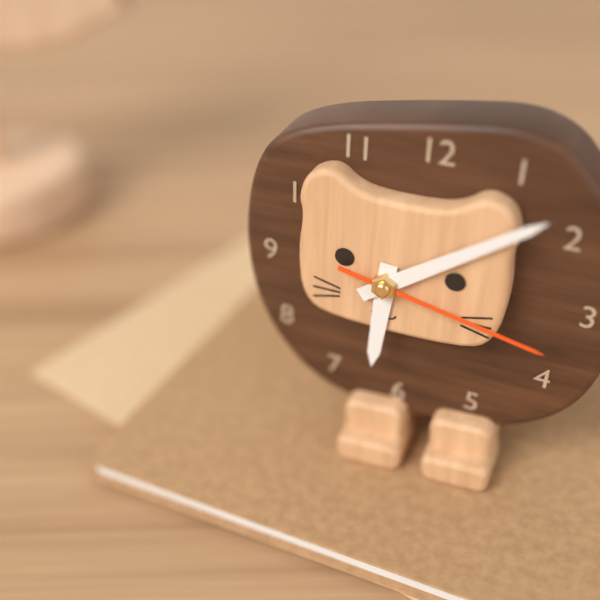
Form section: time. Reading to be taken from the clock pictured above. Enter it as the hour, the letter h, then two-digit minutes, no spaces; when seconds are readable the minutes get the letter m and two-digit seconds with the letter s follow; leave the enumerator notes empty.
6h09m17s
